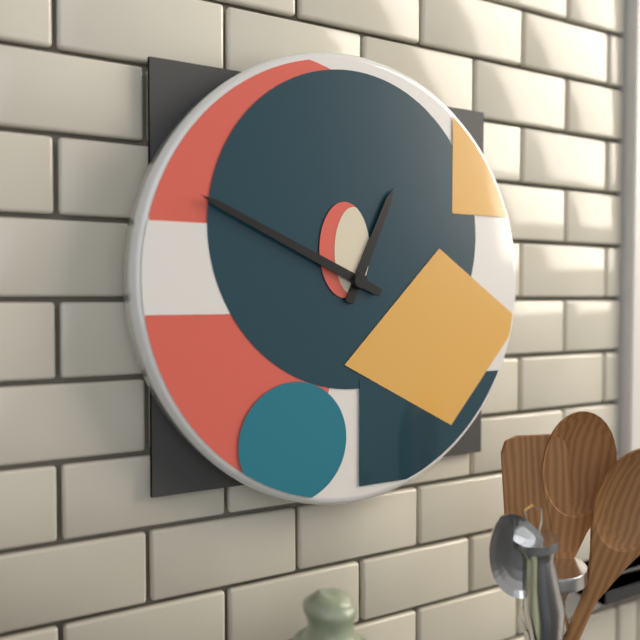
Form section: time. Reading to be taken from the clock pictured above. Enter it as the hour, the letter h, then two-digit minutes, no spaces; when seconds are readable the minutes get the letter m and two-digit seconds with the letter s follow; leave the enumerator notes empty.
12h49
